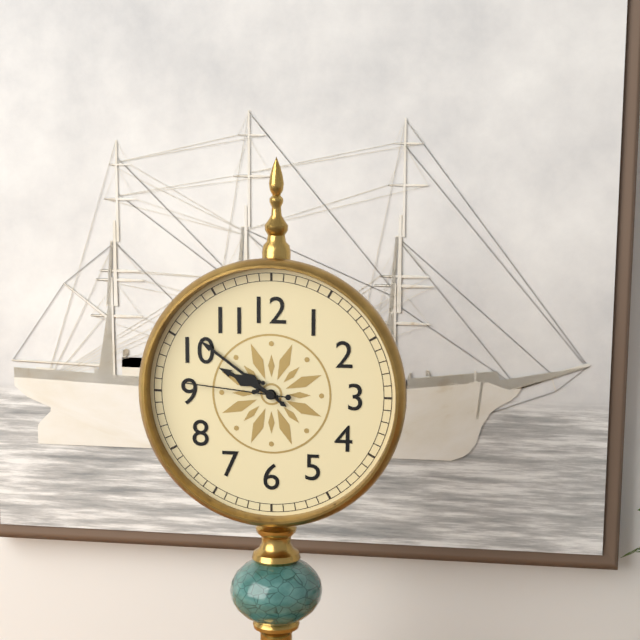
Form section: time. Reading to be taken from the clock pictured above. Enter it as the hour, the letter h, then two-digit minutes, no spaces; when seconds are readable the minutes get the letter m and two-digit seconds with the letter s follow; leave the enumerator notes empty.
9h51m46s
